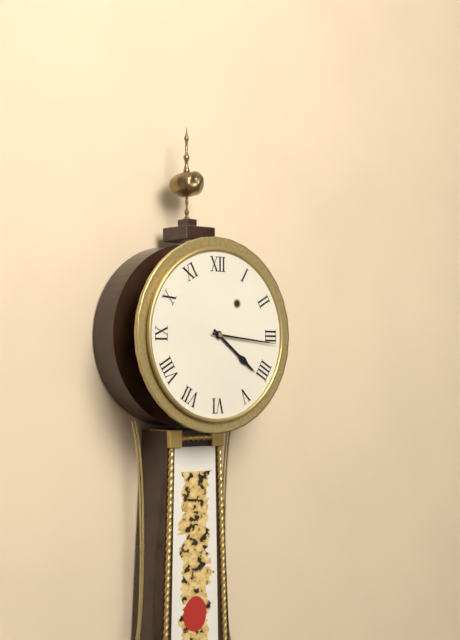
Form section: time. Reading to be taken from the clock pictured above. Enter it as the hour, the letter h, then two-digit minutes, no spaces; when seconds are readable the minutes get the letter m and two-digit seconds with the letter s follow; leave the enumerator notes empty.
4h16
